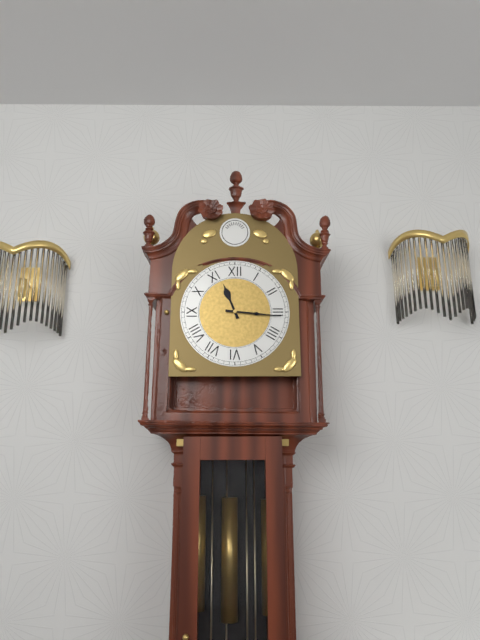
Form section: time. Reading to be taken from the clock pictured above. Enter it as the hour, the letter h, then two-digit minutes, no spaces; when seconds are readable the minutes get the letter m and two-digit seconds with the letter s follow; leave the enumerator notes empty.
11h16
